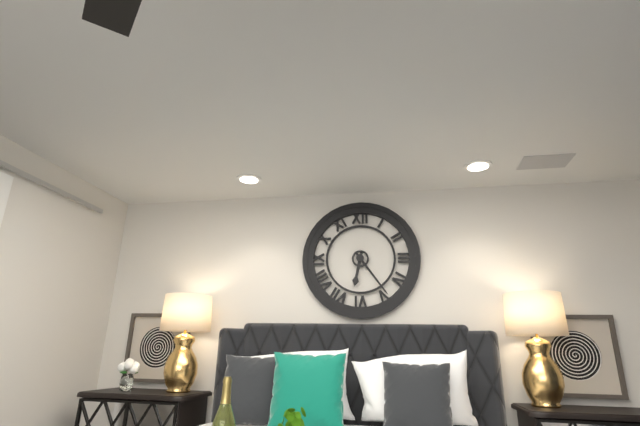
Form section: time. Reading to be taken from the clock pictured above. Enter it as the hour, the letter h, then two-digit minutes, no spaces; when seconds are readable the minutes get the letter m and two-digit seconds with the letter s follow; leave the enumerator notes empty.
6h24
